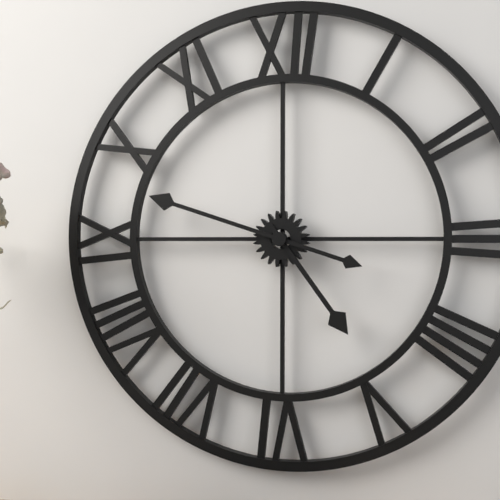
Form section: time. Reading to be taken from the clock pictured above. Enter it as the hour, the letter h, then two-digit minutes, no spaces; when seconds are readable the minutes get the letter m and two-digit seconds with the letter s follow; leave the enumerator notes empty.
4h48
